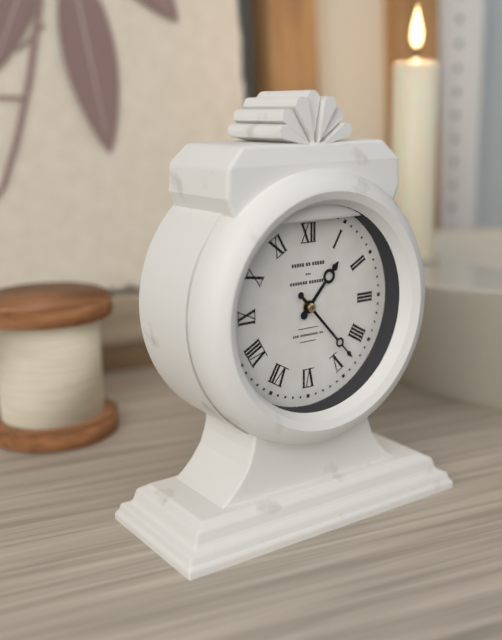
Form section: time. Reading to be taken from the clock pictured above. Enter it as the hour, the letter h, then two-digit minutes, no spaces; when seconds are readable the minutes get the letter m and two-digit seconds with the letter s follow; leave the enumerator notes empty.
1h23
